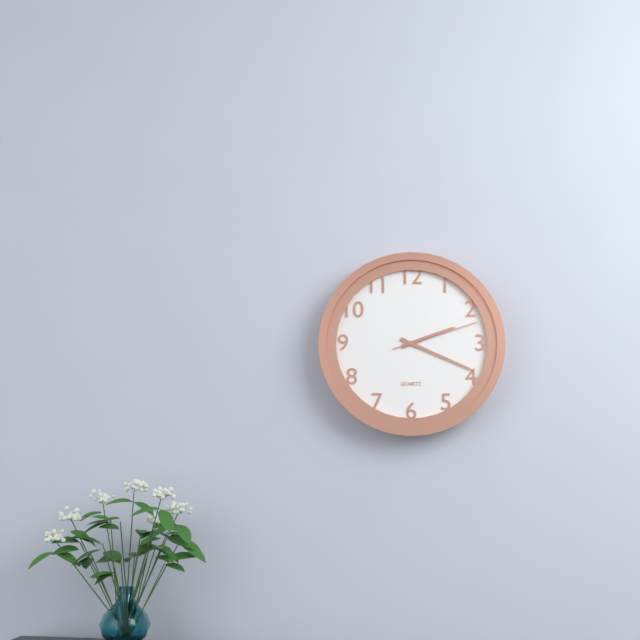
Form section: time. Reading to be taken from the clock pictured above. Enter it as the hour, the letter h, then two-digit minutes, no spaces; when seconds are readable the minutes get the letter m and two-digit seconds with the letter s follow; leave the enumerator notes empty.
2h19m12s
